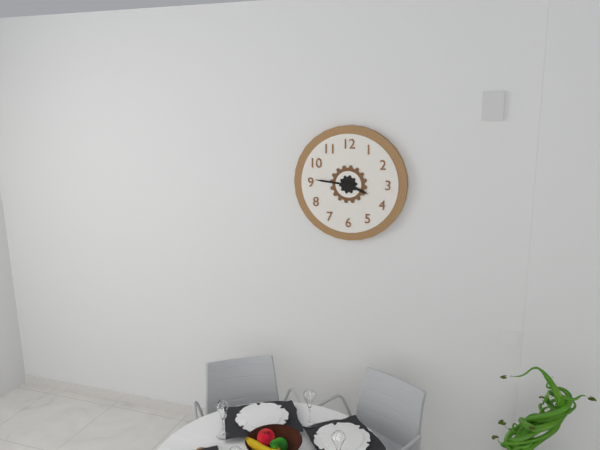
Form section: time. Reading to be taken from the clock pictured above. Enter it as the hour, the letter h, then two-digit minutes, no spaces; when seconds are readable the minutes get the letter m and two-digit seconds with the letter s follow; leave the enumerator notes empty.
3h46
